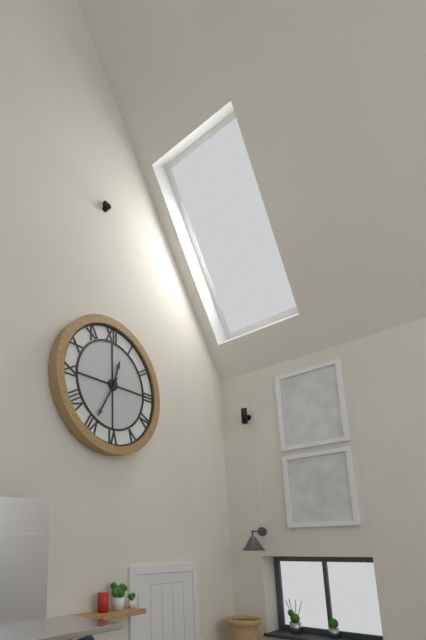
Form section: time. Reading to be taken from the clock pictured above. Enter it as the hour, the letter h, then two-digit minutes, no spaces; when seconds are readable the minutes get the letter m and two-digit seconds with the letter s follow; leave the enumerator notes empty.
12h35
